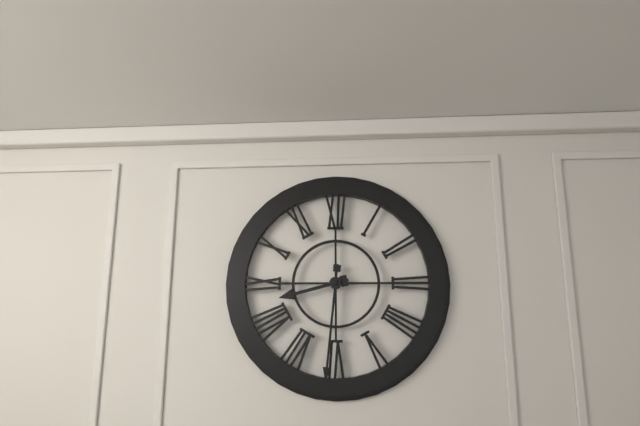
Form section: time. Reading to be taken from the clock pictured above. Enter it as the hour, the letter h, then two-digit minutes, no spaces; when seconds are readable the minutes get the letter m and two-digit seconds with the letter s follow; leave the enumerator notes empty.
8h31
